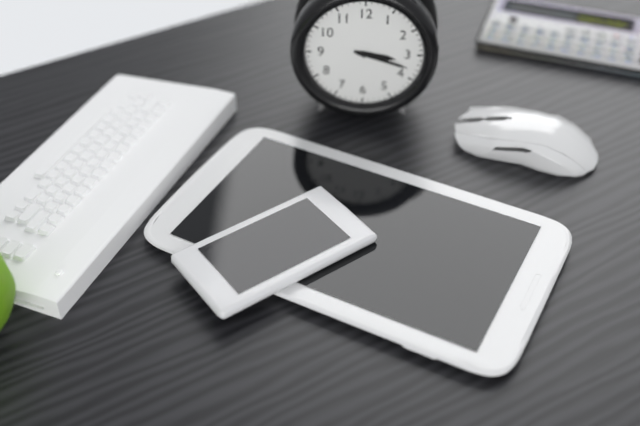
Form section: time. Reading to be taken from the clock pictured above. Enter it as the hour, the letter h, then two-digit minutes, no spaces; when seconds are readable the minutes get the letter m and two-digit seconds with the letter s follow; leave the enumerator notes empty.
3h18
